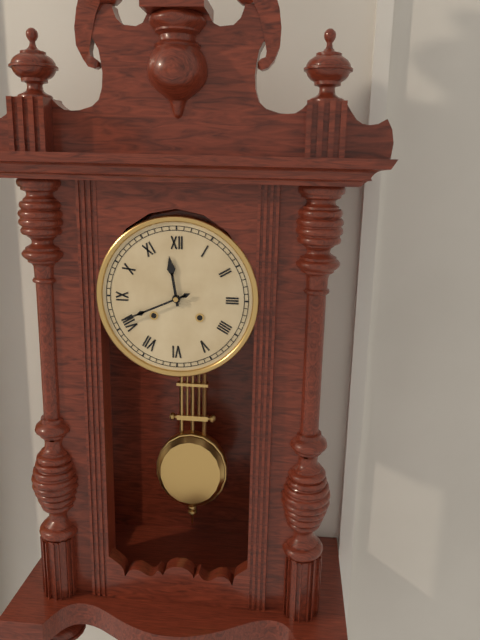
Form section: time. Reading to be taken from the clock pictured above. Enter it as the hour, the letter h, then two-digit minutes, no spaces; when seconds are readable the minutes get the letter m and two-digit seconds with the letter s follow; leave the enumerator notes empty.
11h41
